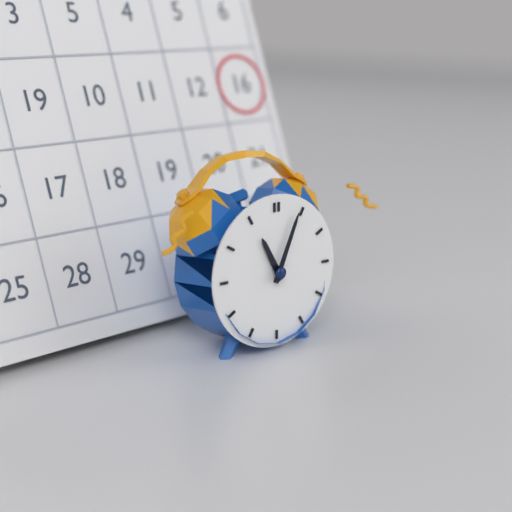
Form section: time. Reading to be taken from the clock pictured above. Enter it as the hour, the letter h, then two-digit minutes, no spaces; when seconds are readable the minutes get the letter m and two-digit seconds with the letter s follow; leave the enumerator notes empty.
11h04
